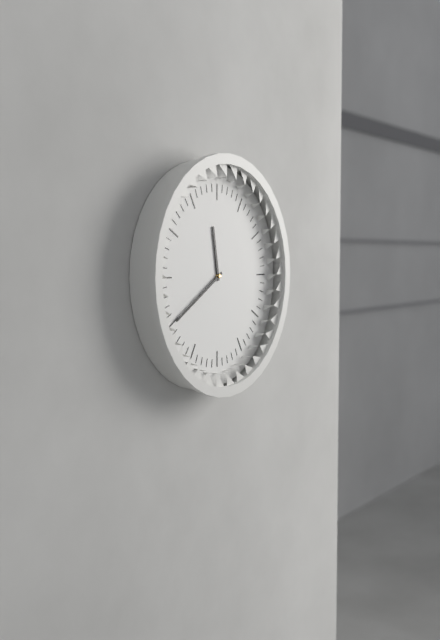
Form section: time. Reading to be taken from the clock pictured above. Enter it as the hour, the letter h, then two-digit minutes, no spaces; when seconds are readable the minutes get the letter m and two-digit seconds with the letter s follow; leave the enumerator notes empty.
11h40
